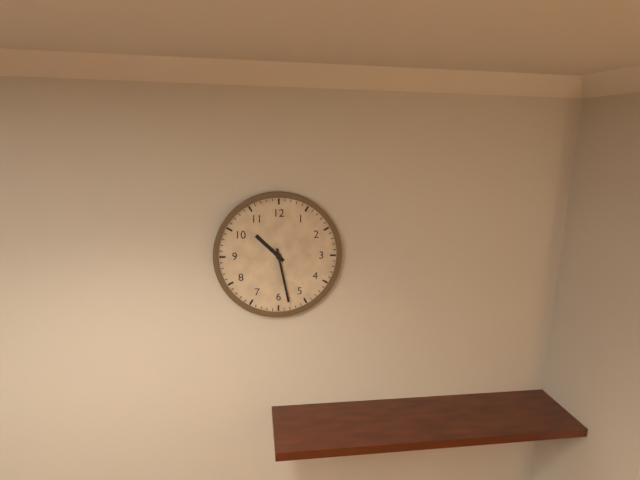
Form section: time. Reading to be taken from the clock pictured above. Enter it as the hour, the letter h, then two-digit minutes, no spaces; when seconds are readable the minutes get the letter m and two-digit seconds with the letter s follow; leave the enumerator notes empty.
10h28
